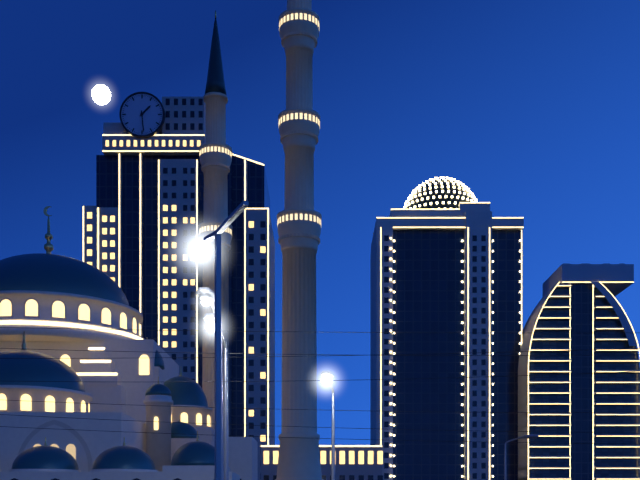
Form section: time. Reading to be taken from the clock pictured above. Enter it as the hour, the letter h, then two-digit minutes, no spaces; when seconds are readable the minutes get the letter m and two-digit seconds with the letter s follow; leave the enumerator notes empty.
1h29
